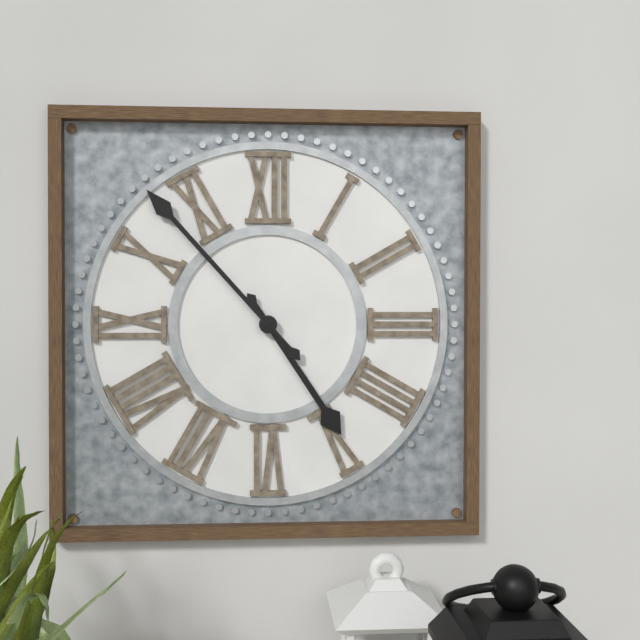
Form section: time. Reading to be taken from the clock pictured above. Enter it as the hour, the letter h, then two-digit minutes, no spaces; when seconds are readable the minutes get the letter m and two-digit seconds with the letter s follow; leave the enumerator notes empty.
4h53
